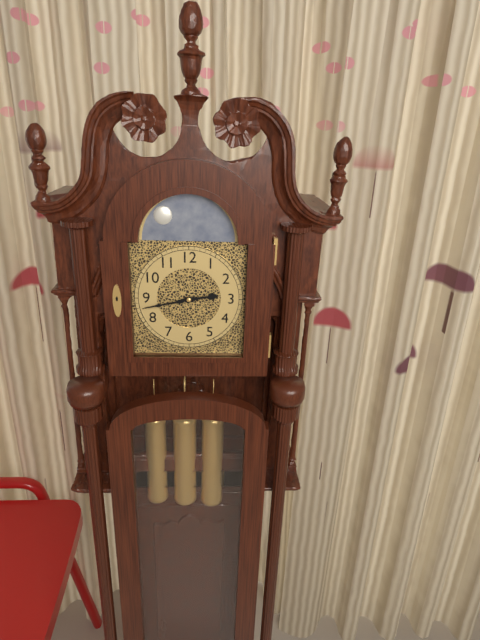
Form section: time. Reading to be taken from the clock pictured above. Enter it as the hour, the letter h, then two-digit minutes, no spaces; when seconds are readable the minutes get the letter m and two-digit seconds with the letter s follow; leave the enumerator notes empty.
2h43
